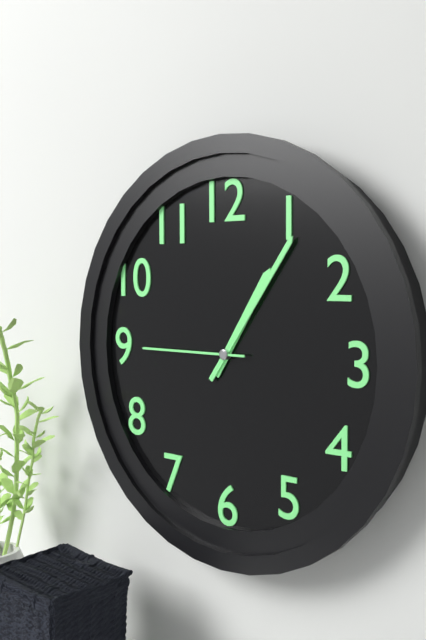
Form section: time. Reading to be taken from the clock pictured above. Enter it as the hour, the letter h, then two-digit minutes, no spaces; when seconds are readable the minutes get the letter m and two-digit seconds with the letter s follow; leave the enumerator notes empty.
1h06m45s
